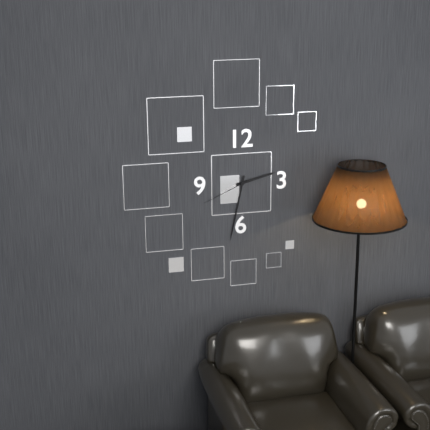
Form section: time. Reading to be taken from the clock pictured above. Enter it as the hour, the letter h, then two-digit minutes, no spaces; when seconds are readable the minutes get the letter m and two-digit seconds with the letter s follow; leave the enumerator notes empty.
2h32m41s
